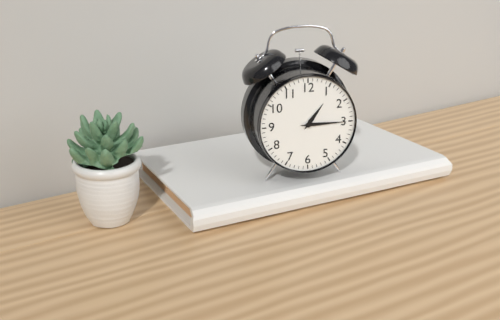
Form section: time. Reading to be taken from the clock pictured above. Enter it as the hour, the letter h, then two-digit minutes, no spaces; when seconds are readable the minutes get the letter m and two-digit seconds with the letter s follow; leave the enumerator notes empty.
1h15
